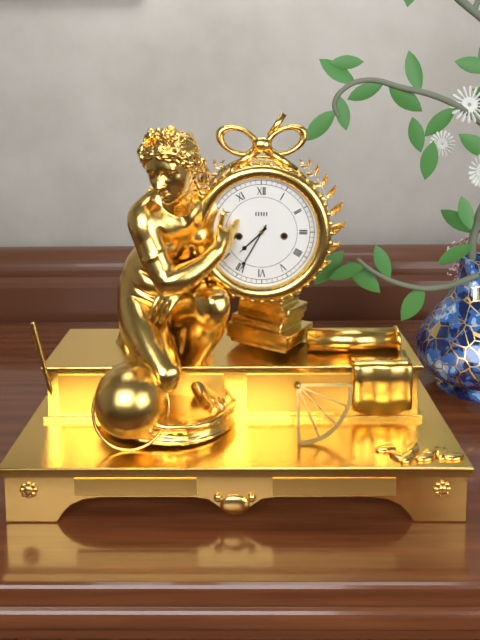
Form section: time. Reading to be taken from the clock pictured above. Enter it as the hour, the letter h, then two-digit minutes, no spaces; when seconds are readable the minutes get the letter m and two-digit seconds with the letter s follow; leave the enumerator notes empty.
7h35
